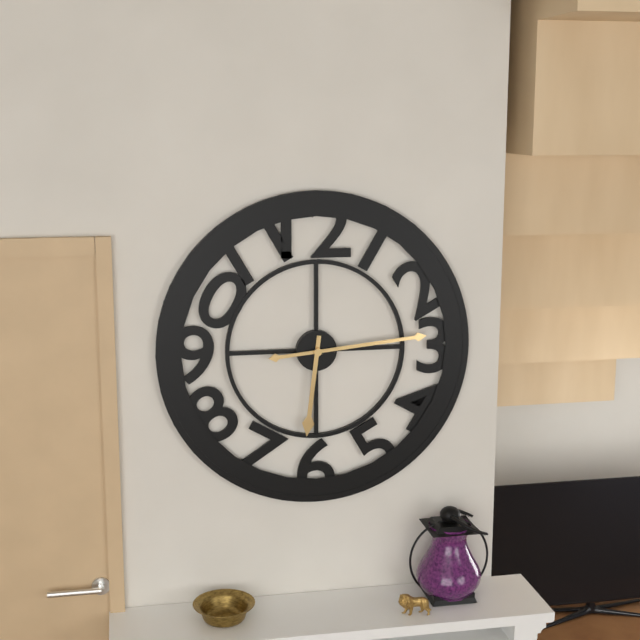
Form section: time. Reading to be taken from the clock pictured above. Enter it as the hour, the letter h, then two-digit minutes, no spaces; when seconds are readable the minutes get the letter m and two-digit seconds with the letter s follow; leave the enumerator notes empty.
6h14
